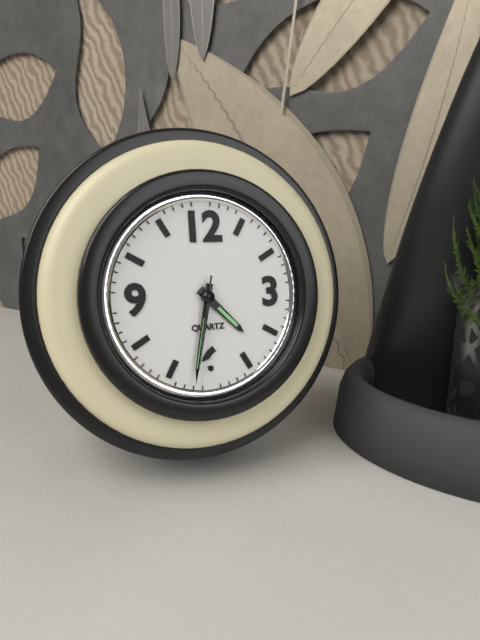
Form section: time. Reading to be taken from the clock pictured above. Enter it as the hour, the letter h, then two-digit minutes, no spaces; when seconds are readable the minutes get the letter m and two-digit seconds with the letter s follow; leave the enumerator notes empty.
4h32m32s
